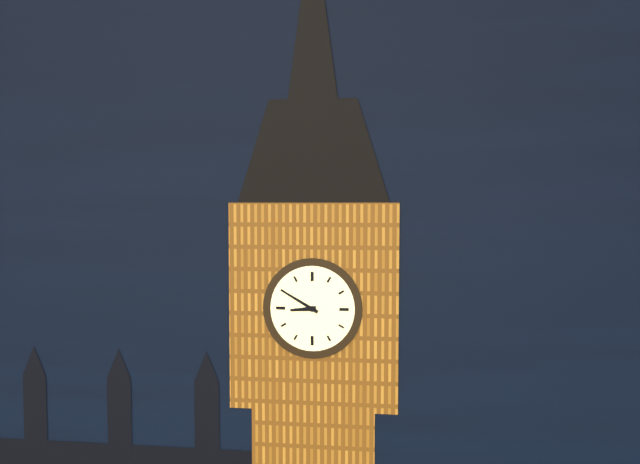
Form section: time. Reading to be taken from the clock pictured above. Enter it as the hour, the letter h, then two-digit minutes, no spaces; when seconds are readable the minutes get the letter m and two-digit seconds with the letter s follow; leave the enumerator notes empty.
8h50
